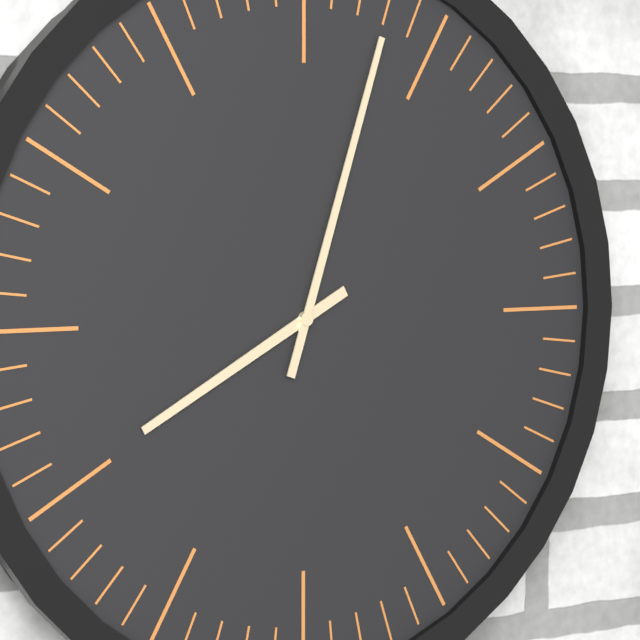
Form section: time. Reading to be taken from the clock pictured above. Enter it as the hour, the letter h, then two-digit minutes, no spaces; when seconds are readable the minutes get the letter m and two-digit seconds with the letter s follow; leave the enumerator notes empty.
8h03
